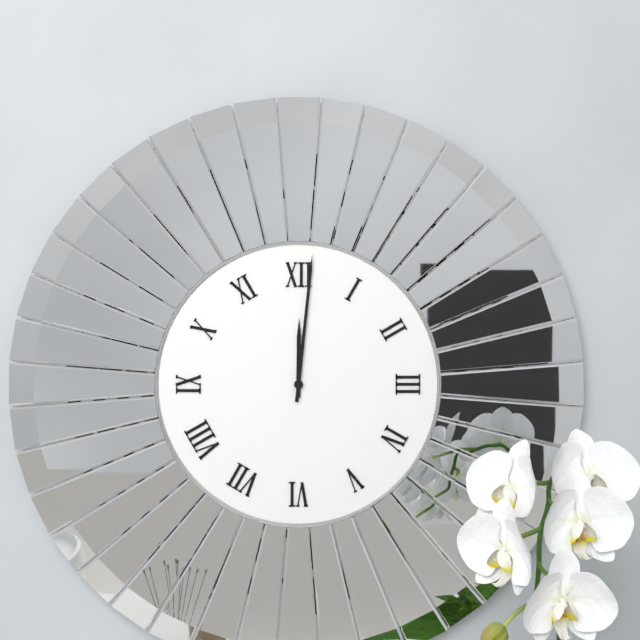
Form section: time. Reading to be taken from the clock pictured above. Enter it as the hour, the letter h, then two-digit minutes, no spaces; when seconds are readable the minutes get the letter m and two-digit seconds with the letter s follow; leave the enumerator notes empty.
12h01
